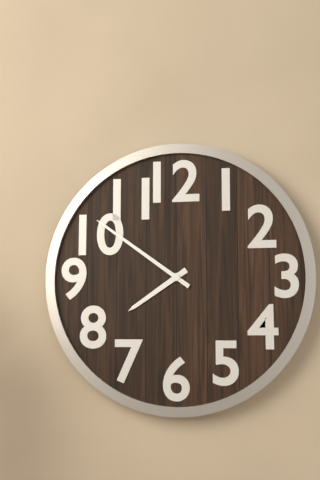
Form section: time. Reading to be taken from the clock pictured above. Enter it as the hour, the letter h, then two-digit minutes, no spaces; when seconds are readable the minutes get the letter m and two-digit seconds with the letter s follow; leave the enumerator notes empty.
7h51
